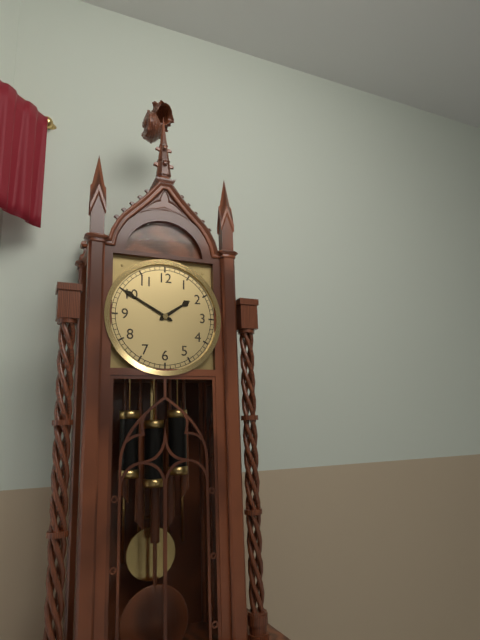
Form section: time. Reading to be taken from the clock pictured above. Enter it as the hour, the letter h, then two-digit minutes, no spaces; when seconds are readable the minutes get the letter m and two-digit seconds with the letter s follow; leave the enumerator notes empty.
1h50
